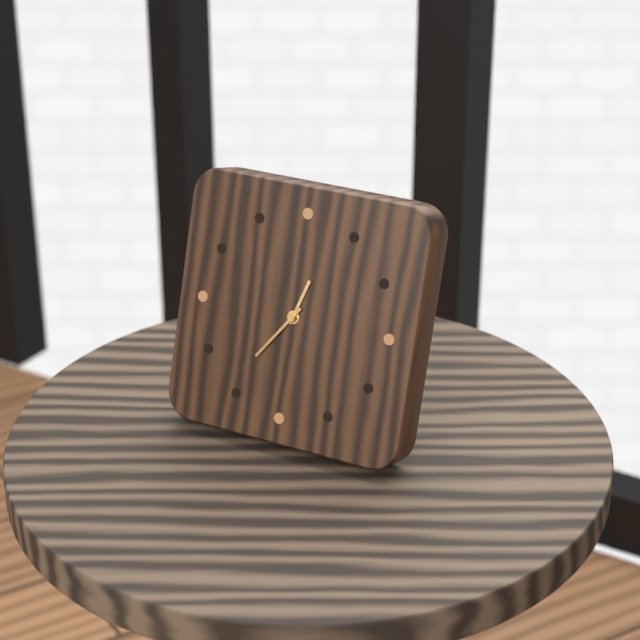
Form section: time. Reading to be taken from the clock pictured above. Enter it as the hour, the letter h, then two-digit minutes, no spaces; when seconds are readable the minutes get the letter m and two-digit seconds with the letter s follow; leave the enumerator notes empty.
12h36
